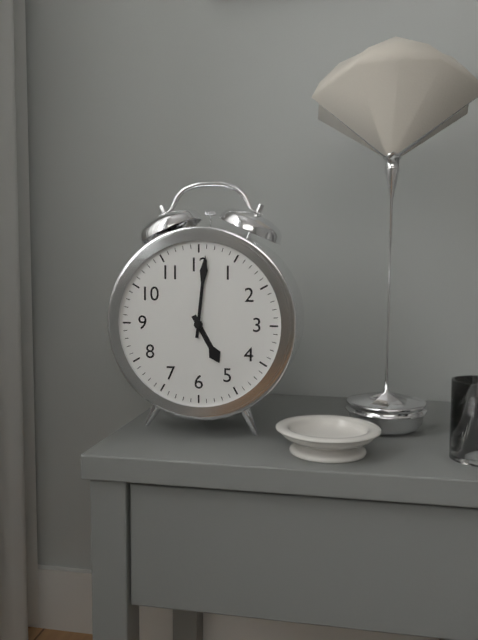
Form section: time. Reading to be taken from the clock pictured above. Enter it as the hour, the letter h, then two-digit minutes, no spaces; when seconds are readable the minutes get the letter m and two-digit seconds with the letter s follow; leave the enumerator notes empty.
5h01
